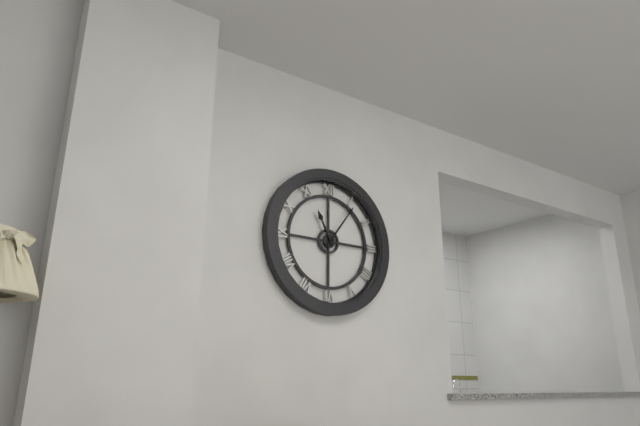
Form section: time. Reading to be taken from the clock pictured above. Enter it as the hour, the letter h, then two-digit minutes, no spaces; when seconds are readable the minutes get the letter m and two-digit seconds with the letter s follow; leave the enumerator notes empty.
11h06
